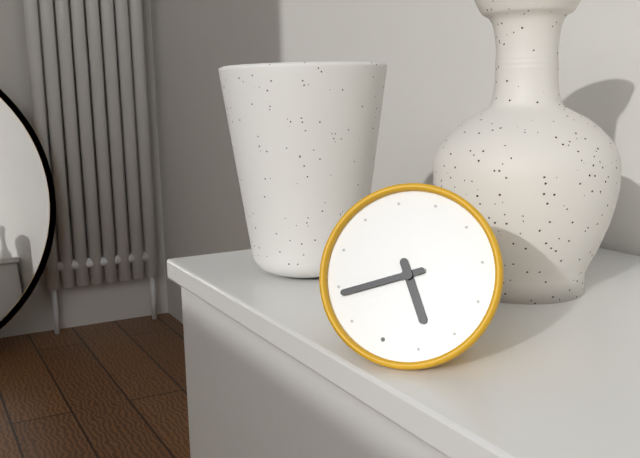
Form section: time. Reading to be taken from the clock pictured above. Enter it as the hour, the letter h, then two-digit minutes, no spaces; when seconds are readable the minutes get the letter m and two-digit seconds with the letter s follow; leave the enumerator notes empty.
4h39
